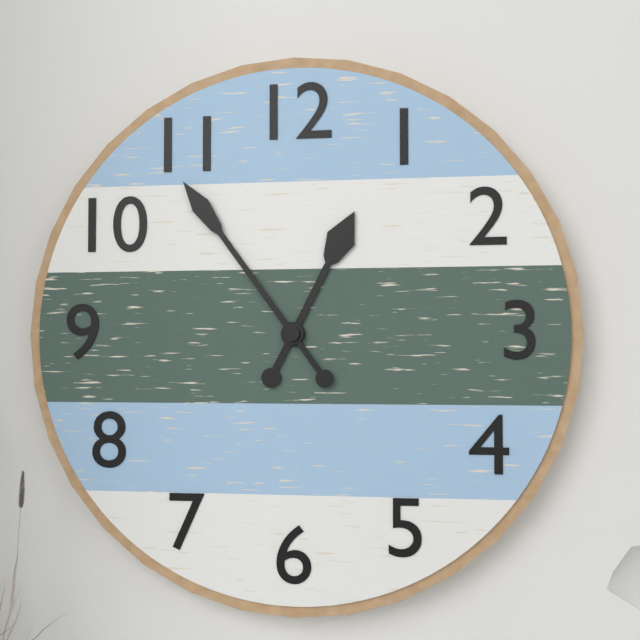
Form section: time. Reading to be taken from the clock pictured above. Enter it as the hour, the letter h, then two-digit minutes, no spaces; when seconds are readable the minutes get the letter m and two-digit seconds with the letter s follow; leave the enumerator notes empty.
12h54
